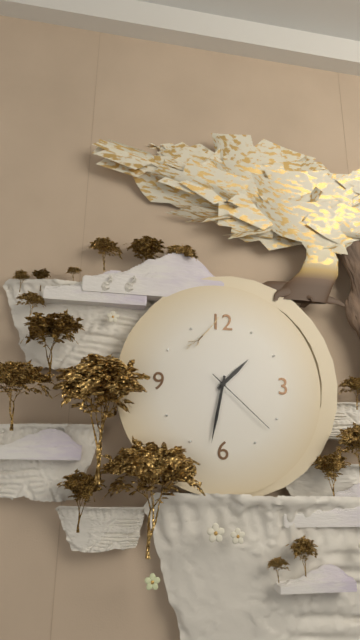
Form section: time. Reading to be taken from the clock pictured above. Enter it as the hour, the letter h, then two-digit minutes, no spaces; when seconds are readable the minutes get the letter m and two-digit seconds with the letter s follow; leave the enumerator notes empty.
1h32m22s
